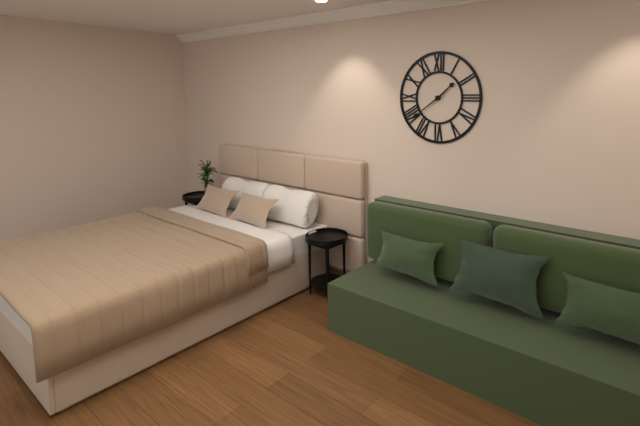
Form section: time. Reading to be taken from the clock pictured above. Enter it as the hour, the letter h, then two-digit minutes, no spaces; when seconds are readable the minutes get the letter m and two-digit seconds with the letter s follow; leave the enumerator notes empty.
1h39
